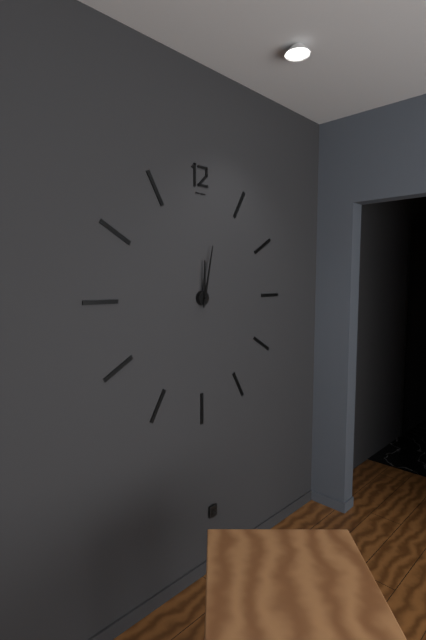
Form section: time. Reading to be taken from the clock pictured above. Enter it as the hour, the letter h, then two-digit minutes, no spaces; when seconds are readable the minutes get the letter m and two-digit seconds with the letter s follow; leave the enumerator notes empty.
12h02
